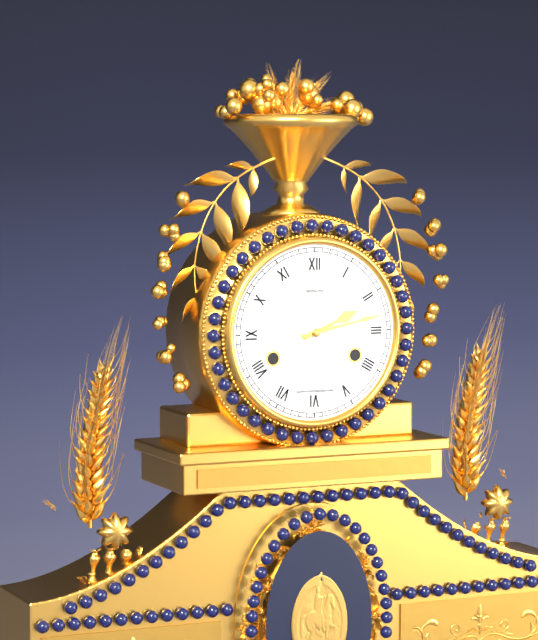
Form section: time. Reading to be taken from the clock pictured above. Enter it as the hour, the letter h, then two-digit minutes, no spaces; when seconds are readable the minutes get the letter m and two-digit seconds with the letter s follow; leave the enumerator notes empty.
2h13
